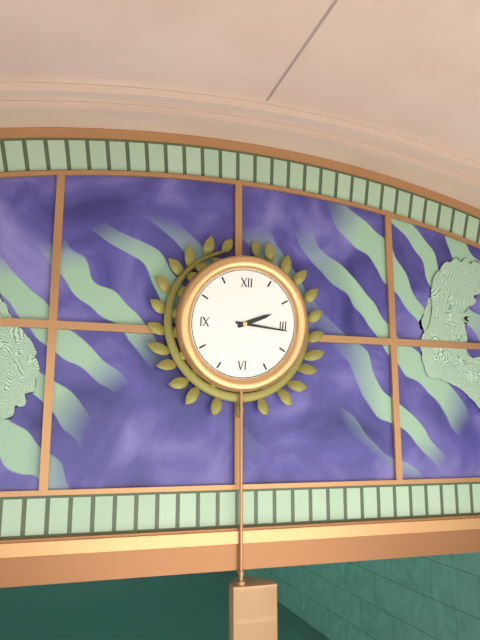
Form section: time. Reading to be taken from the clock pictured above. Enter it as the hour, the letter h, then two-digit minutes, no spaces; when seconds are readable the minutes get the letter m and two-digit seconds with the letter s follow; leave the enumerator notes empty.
2h16
